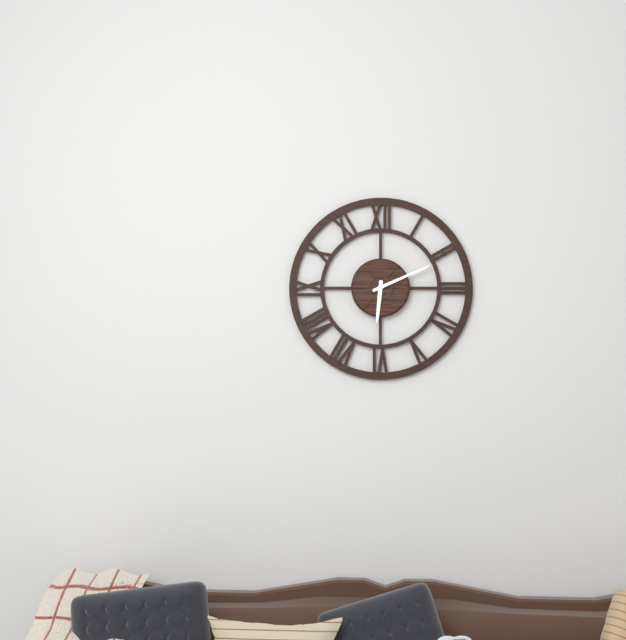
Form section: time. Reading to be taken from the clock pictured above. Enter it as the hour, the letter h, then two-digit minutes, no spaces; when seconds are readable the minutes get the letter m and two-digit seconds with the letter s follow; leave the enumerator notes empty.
6h11
